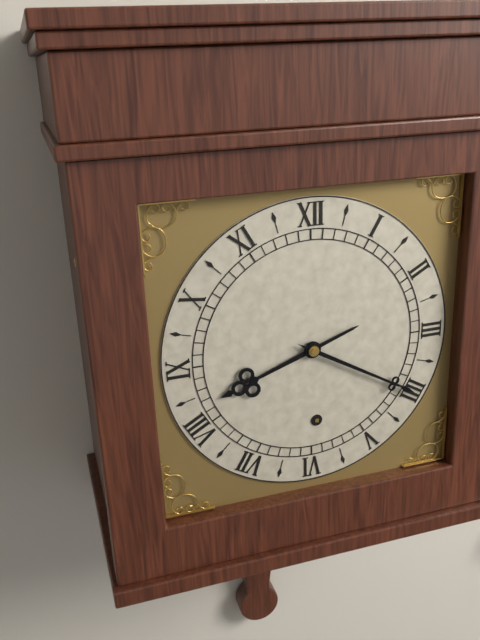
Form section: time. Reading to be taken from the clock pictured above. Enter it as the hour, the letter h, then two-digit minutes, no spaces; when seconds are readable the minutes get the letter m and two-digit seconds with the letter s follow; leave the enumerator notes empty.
8h20
